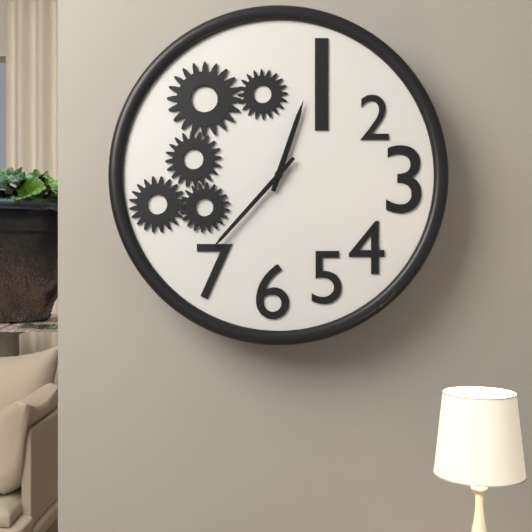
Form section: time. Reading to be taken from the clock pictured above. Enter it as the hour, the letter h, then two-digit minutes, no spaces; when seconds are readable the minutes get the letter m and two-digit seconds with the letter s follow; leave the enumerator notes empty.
12h37
